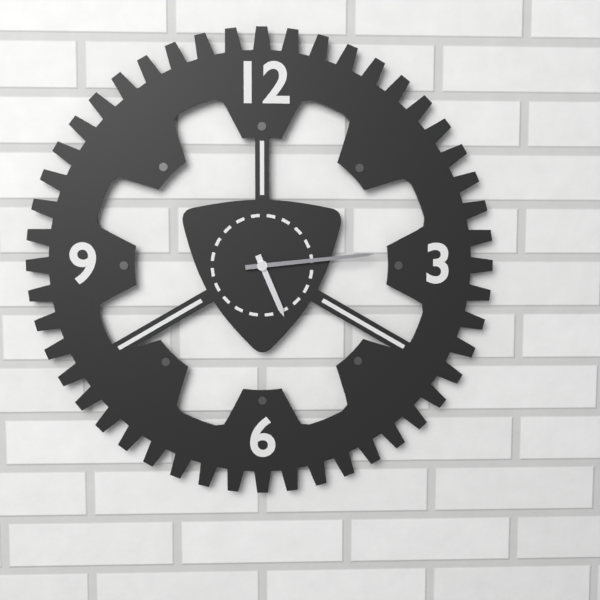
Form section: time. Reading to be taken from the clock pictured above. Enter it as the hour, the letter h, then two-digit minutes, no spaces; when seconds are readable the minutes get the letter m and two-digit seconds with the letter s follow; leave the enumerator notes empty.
5h14
